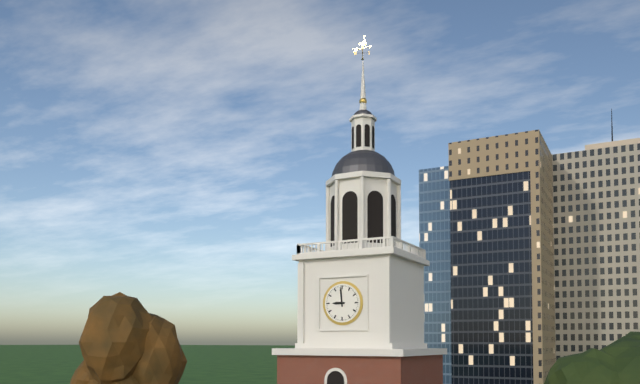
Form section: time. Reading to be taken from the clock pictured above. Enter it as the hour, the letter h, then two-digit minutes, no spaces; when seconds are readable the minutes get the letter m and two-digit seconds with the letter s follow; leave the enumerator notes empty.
8h59
